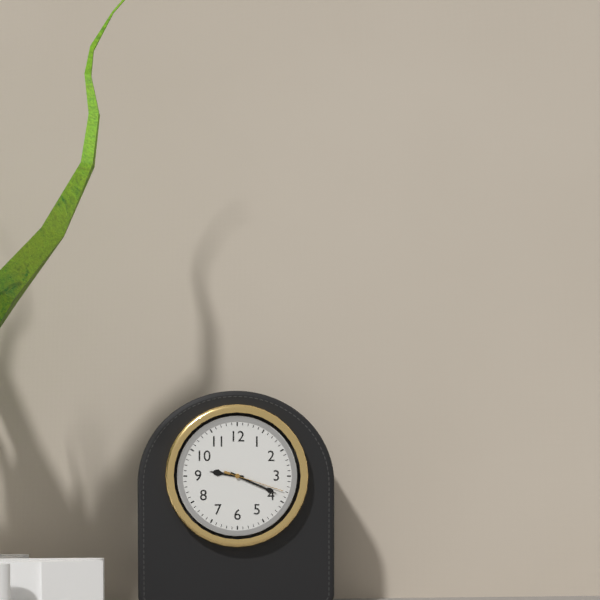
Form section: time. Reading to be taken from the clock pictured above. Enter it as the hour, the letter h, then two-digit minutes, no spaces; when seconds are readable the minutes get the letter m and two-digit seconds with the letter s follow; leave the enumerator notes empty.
9h19m18s
